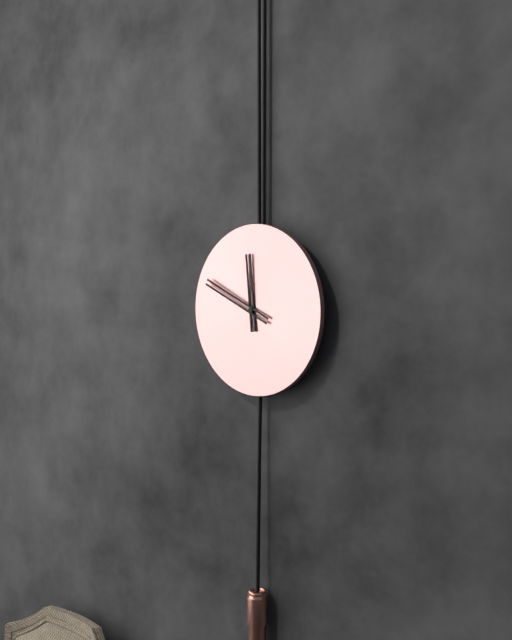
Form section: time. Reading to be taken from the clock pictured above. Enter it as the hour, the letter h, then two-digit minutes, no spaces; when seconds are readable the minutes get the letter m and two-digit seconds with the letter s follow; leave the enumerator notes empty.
11h49
